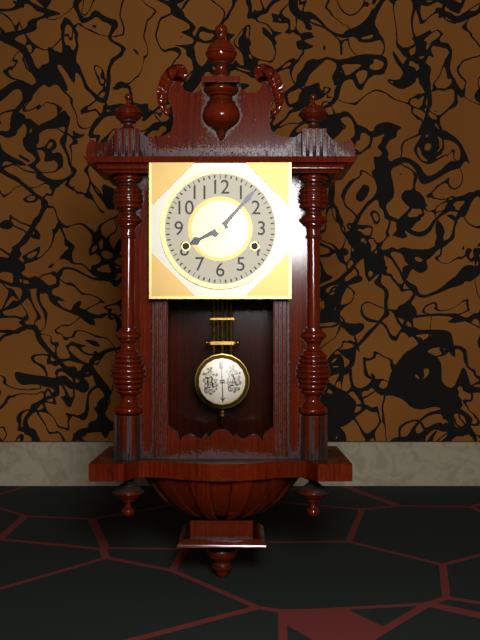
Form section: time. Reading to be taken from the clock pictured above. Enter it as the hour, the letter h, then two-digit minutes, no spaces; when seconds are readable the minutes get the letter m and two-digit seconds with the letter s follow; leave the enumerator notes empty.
8h07
